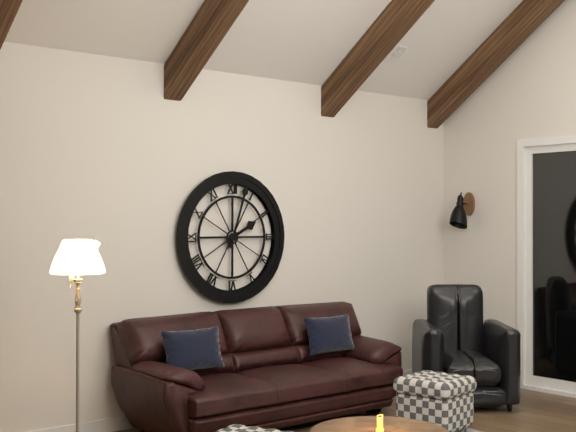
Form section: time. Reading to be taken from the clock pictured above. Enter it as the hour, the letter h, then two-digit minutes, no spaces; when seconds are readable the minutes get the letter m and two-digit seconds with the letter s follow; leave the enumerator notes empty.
2h03
